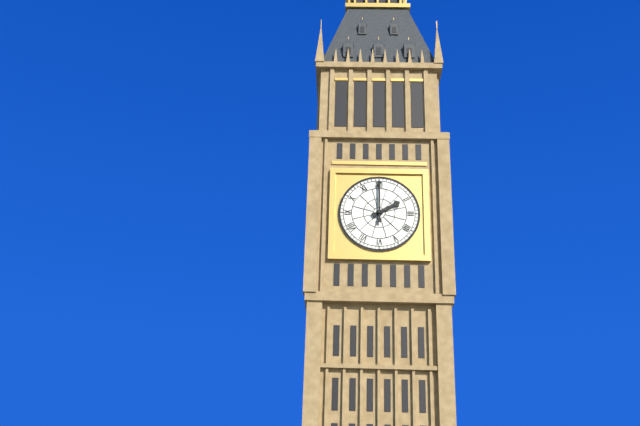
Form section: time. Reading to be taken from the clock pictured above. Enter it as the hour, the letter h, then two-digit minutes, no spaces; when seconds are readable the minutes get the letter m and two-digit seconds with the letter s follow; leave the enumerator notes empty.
2h00
